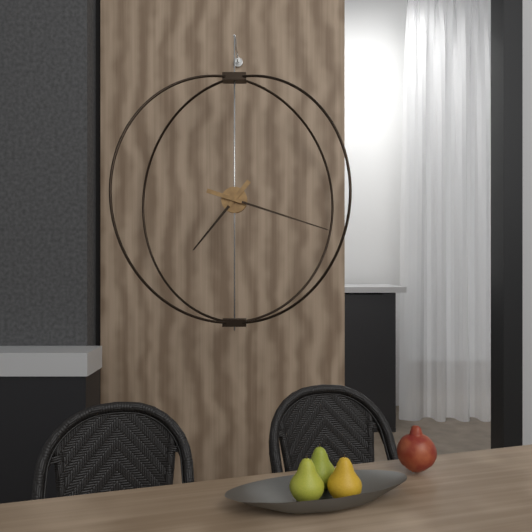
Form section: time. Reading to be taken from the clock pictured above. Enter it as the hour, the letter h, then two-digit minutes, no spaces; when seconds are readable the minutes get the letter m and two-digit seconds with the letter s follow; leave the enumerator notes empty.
7h18
